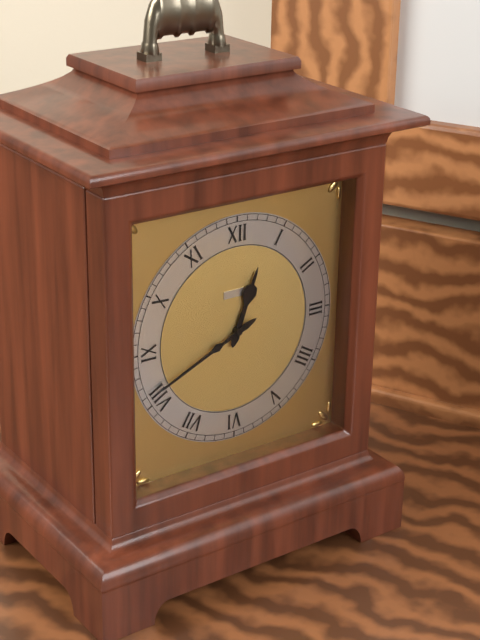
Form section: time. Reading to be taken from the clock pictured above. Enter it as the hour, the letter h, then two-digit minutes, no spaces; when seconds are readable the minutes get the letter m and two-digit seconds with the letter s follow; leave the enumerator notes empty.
12h41
